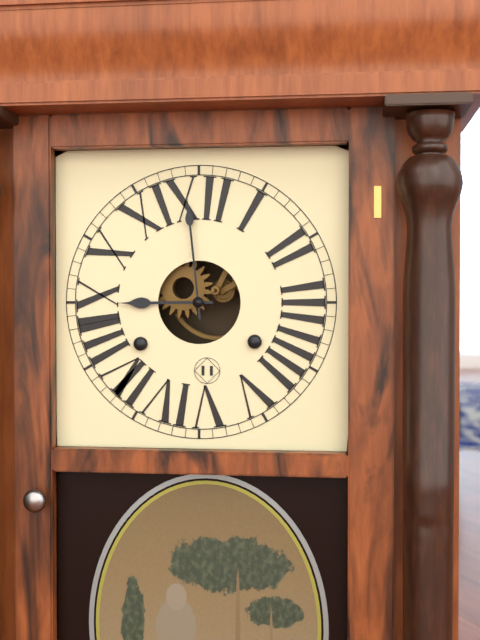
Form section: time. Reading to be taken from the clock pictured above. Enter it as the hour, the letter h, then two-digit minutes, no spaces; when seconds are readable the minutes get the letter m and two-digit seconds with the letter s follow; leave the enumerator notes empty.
8h59
